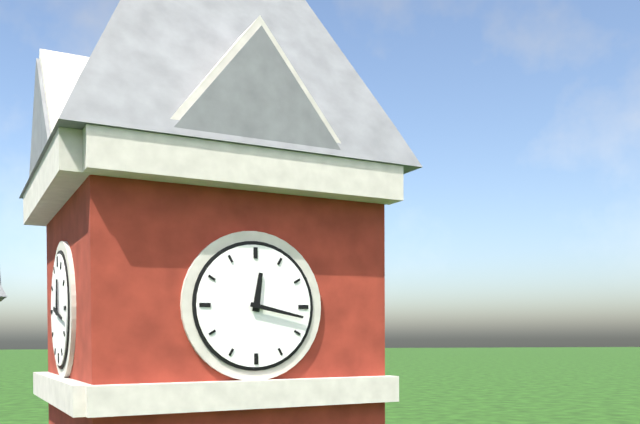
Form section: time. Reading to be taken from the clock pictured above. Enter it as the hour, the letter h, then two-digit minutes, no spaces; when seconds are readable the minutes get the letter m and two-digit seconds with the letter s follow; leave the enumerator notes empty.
12h17
